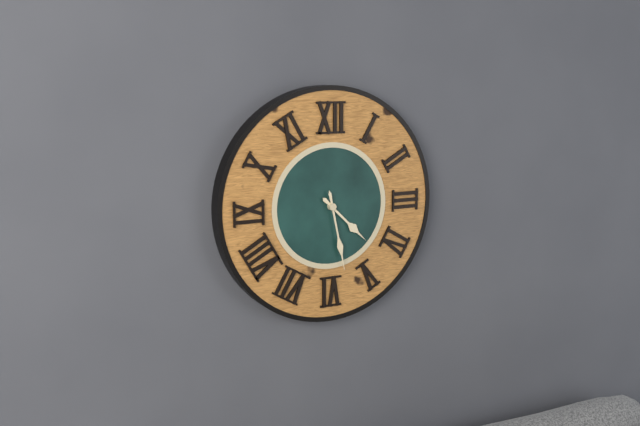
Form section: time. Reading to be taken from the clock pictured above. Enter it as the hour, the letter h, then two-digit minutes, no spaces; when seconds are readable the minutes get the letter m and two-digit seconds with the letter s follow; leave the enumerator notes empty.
4h28
